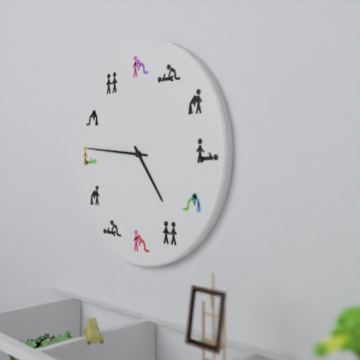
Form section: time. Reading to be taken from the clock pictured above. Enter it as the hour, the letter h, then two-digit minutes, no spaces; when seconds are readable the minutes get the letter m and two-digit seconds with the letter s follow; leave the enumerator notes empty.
4h46
